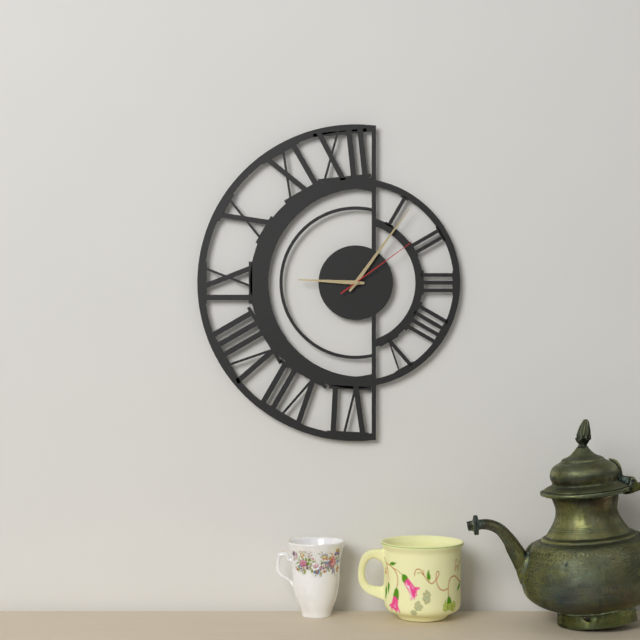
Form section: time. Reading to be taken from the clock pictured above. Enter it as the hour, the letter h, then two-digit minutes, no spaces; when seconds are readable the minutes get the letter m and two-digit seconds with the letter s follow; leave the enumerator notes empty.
9h06m09s
